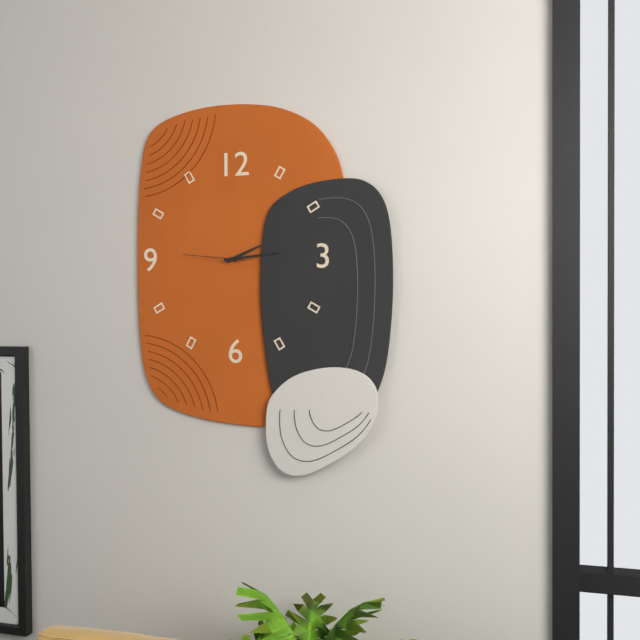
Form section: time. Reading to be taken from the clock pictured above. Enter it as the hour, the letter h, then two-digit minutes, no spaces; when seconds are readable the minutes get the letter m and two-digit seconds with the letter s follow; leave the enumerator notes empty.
2h14m46s
